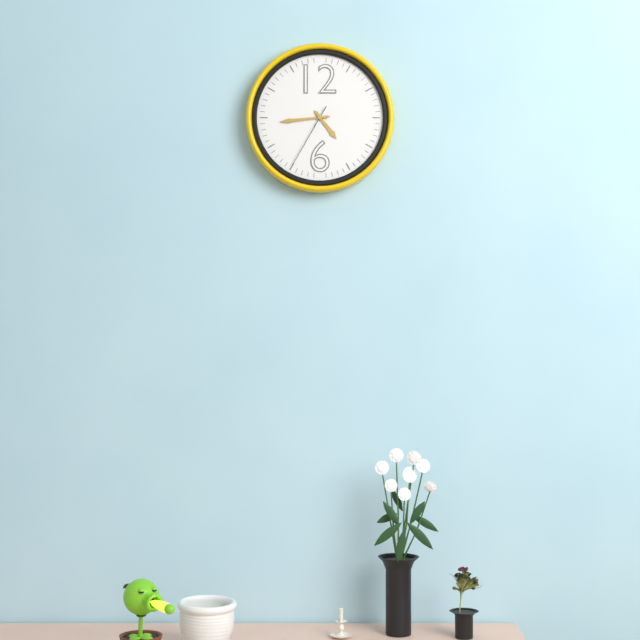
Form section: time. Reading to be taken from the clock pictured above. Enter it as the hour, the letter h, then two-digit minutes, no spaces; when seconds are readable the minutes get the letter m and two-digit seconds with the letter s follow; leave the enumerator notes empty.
4h44m35s
